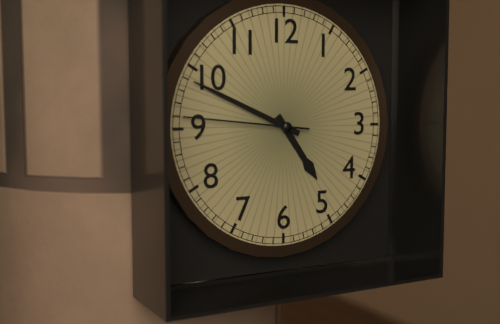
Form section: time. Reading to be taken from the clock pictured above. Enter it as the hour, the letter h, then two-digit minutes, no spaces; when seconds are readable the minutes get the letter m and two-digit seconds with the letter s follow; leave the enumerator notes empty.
4h49m46s
